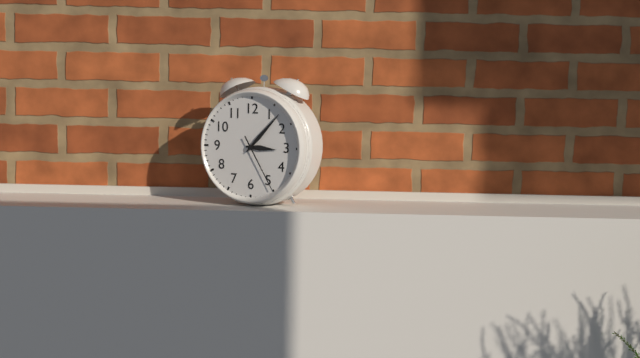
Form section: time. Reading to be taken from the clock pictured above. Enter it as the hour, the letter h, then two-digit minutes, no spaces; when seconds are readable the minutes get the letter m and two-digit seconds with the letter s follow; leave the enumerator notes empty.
3h07m25s
